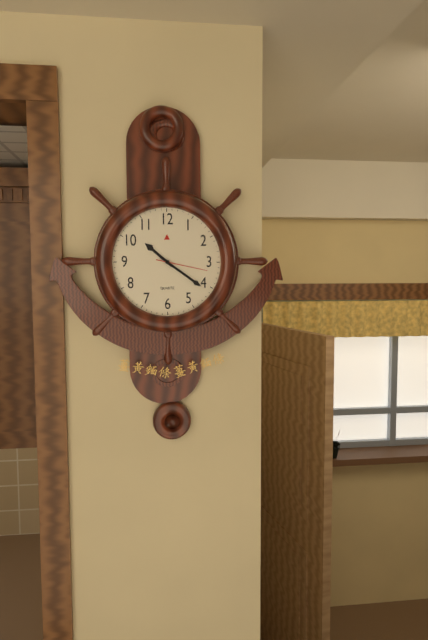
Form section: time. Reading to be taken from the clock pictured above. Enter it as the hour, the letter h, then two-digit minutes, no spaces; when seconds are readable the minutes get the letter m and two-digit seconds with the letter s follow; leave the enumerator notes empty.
10h21m17s
